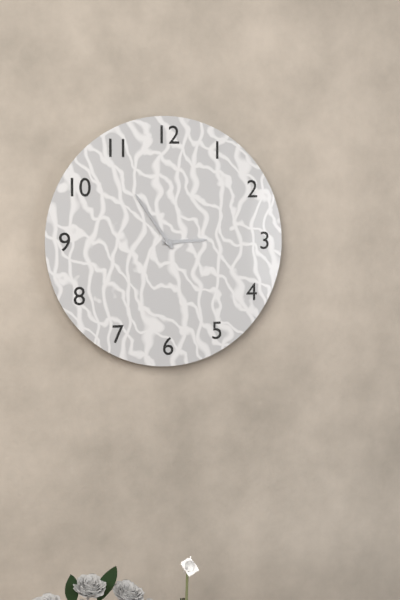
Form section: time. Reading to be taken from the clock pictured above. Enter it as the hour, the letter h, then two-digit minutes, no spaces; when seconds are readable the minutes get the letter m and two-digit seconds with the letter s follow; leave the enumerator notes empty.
2h54
